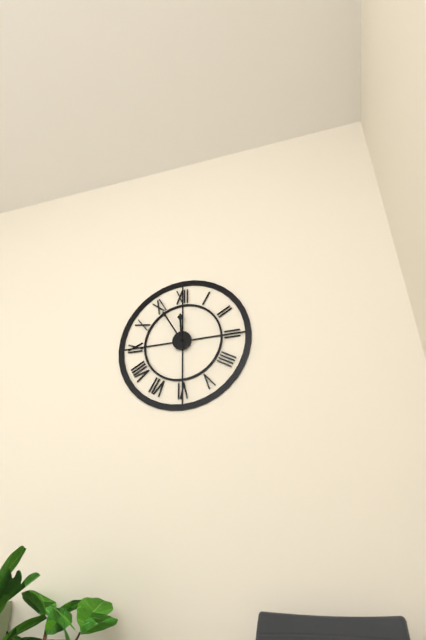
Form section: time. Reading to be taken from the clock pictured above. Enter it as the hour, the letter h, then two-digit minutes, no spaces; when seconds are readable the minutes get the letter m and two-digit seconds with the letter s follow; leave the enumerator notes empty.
11h55
